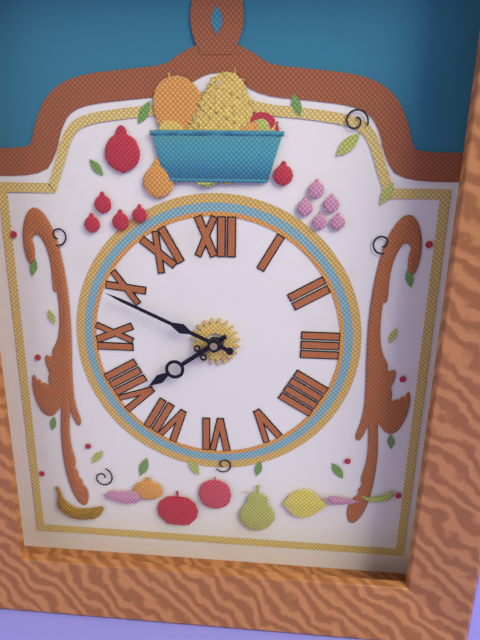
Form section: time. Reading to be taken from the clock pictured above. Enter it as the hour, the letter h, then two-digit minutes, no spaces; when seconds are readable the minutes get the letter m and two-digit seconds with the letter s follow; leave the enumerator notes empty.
7h49
